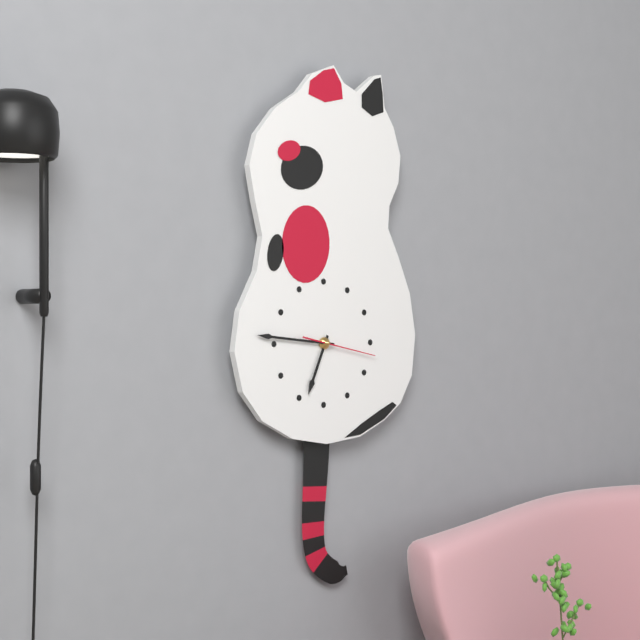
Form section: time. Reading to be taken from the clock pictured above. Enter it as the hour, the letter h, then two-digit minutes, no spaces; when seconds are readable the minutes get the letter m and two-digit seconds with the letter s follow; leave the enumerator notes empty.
6h46m17s
